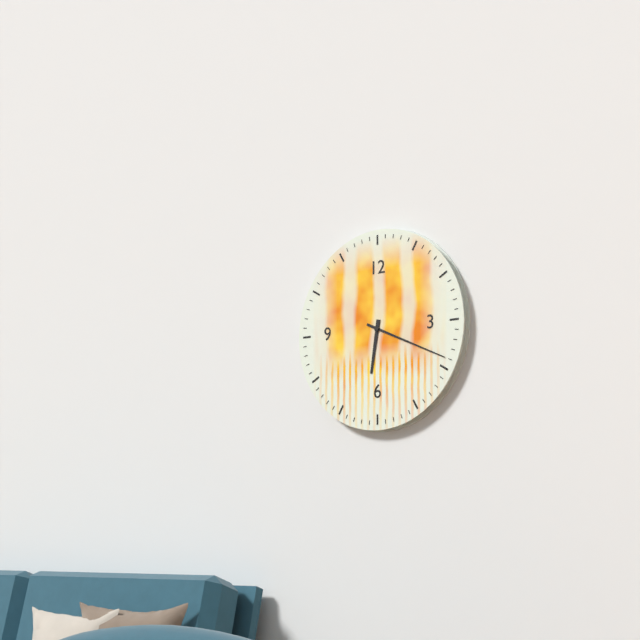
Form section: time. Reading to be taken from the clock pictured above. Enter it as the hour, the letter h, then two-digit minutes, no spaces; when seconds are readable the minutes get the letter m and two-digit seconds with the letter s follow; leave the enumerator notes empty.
6h19
